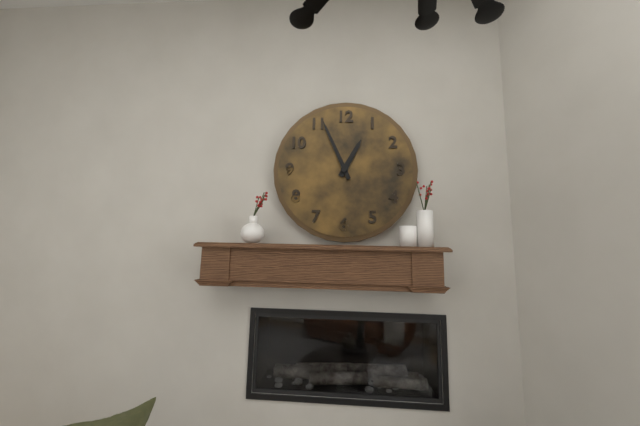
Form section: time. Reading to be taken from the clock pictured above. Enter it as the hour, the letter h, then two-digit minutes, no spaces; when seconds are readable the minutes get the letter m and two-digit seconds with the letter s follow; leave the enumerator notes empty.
12h56
